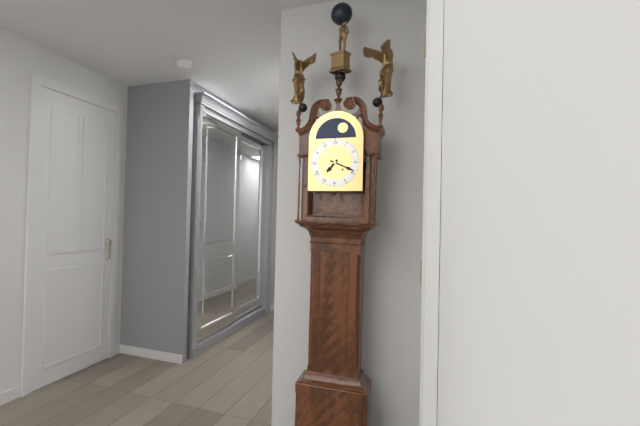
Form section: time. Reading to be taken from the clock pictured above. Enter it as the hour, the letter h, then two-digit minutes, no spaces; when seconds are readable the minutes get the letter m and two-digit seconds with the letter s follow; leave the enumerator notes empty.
7h19
